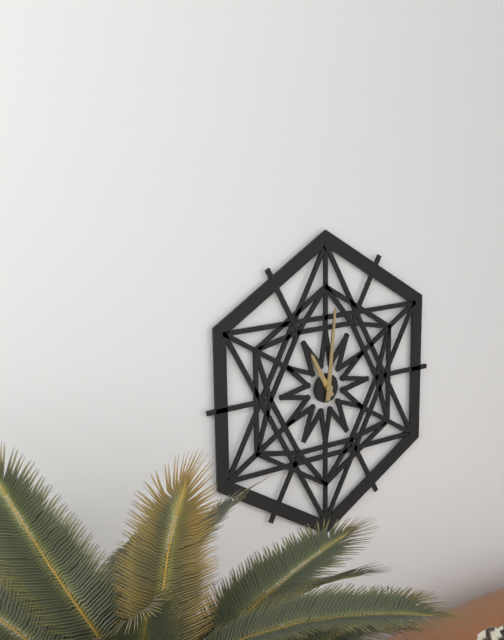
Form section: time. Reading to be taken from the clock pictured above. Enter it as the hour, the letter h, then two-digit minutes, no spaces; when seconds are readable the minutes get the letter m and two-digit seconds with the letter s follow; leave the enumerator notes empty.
11h01
